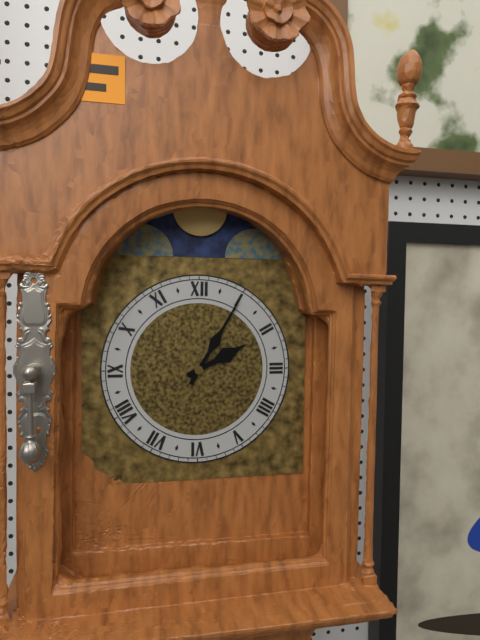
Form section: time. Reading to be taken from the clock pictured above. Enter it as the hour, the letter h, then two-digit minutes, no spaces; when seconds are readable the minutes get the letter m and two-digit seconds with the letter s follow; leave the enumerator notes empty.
2h05
